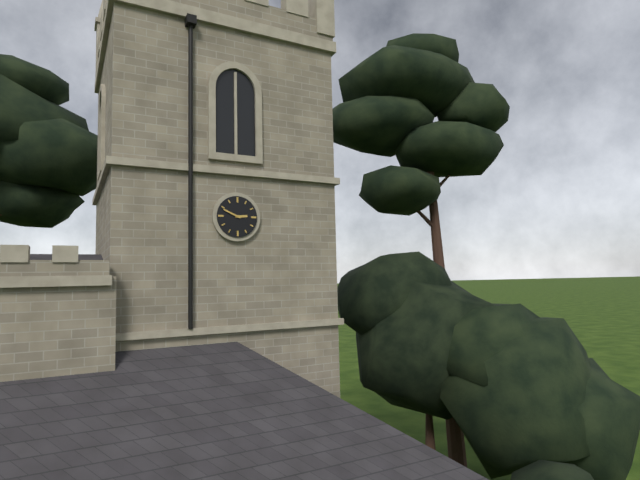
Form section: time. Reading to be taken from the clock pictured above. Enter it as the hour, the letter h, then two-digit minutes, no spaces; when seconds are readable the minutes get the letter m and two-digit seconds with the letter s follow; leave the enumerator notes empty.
2h49
